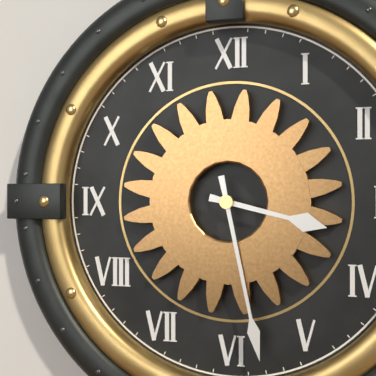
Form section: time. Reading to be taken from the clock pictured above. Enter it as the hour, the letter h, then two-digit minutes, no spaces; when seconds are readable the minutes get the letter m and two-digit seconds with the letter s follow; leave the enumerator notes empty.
3h28
